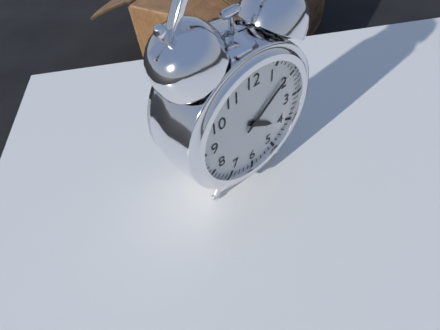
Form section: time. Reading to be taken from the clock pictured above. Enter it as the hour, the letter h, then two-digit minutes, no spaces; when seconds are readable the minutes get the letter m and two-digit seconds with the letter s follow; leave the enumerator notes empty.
4h09
